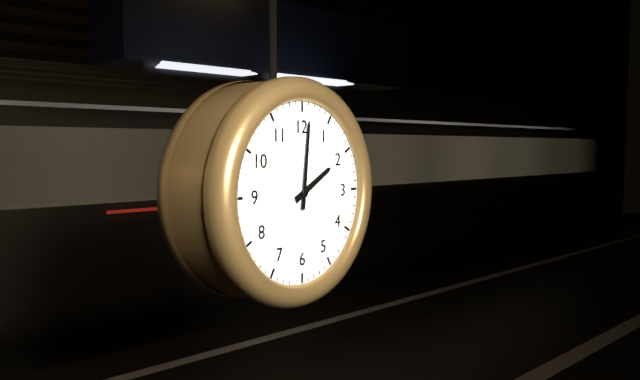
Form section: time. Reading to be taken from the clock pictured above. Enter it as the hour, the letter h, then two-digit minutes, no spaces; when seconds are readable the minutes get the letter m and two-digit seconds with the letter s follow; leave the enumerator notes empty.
2h01
